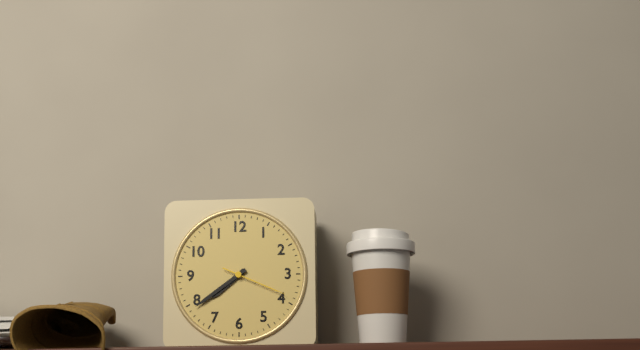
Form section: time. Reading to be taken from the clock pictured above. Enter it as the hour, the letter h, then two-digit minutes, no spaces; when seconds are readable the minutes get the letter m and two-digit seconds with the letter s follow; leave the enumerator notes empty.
7h39m19s
